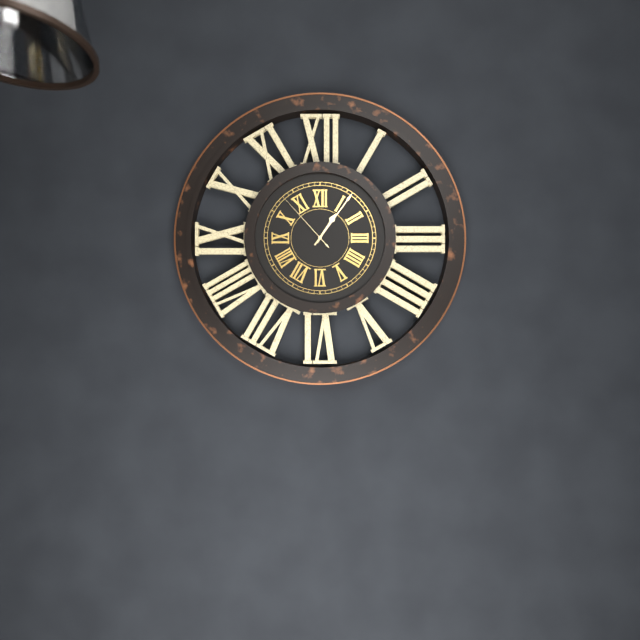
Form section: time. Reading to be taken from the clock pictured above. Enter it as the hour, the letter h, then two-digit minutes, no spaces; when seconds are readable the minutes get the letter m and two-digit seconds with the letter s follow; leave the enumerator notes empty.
1h06m53s
